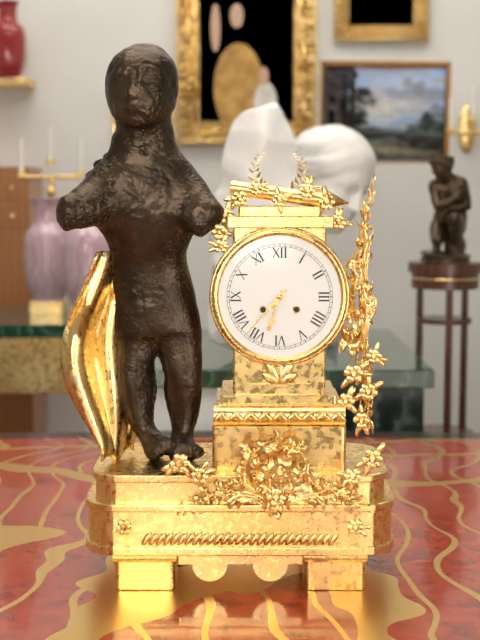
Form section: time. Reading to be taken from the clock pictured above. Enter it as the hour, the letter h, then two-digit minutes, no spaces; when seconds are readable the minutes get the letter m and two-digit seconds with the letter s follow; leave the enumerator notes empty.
6h37
